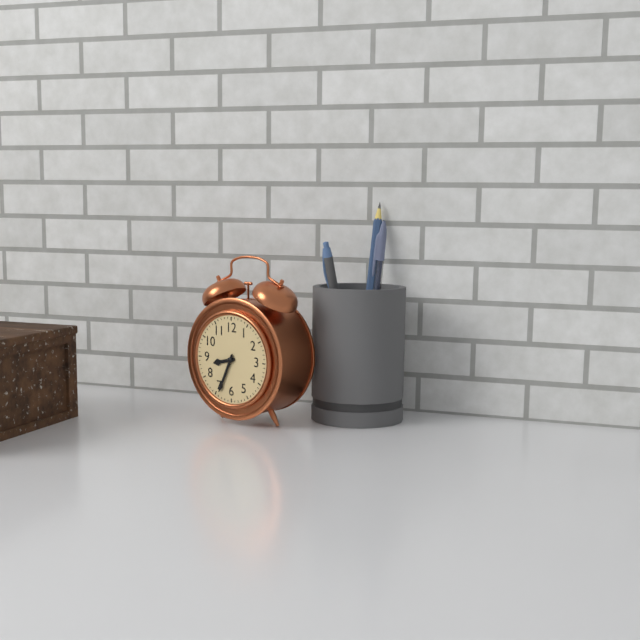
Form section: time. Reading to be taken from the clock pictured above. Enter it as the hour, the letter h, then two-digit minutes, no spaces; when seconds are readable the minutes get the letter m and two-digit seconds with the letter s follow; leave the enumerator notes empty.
8h34
